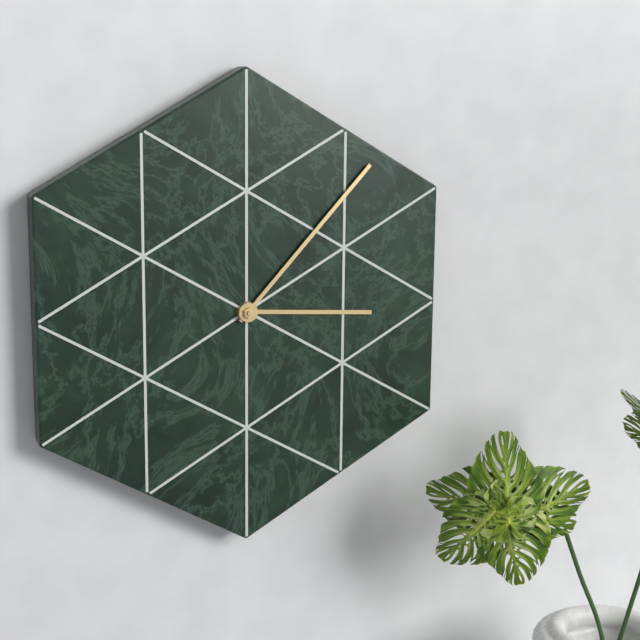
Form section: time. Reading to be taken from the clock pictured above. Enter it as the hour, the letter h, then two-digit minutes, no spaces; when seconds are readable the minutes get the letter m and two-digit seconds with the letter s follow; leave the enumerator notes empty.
3h07
